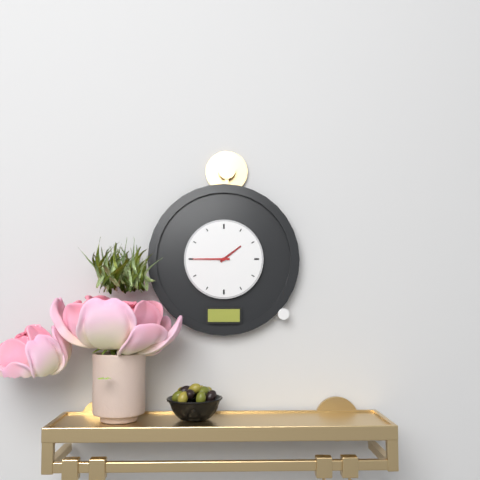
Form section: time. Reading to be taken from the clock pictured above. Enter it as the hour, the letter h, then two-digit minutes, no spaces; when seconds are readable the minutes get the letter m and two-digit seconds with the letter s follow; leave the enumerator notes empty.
1h45
